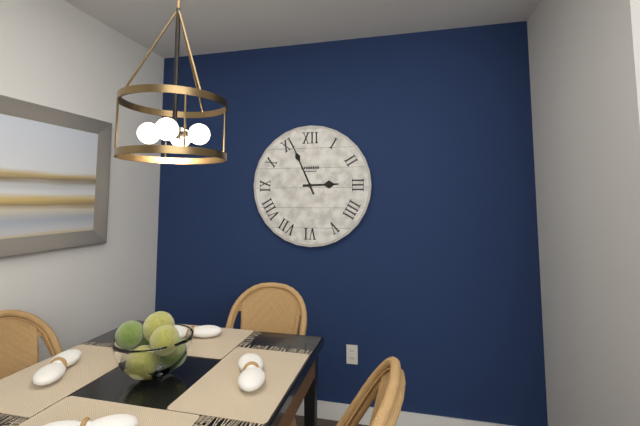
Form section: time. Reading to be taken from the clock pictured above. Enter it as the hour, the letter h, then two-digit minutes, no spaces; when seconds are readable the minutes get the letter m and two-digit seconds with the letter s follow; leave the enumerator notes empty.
2h56
